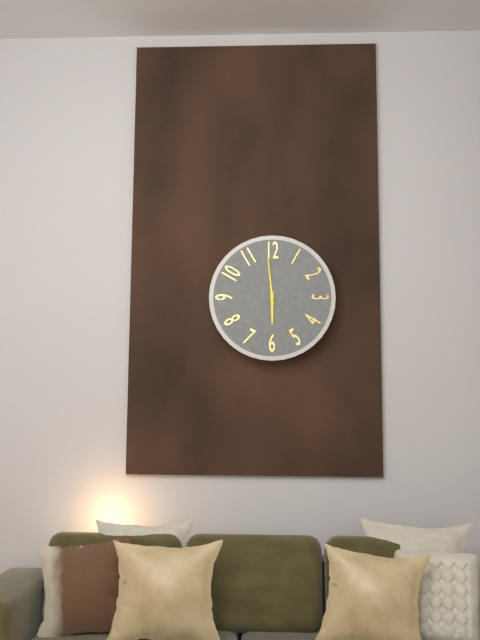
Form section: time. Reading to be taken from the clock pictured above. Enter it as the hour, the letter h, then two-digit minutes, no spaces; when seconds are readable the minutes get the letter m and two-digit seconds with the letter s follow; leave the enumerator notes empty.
5h59
